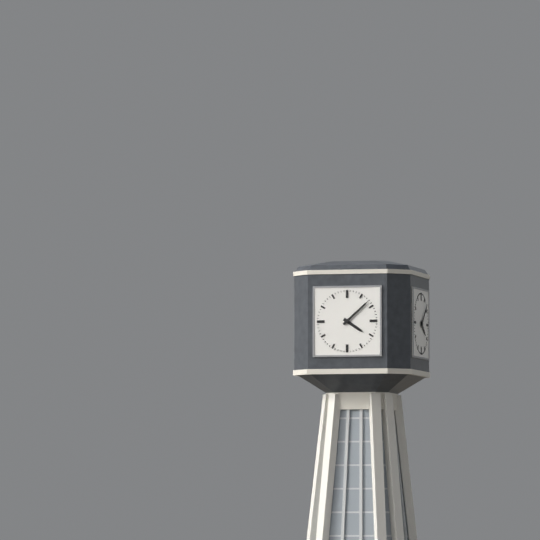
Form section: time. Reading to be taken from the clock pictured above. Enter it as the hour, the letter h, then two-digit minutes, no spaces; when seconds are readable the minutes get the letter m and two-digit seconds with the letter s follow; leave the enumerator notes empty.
4h08
